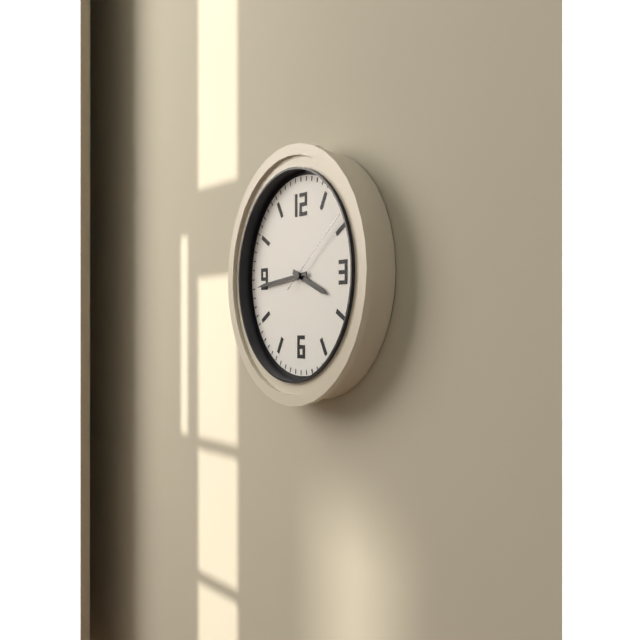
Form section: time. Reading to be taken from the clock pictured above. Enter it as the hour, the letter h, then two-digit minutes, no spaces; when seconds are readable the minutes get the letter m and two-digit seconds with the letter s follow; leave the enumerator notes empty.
3h44m09s
